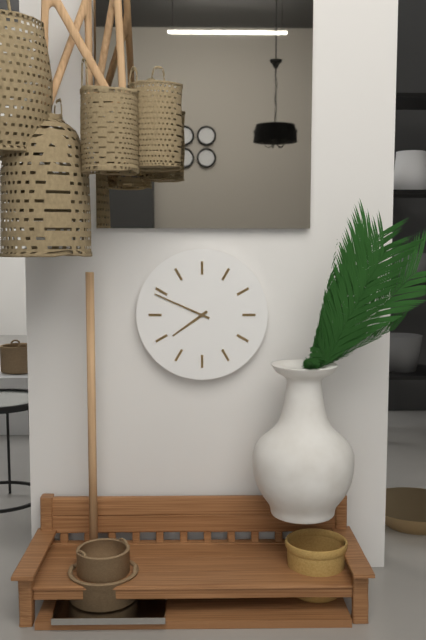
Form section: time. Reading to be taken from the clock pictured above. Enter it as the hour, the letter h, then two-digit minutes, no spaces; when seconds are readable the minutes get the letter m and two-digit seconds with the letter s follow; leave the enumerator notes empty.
7h49
